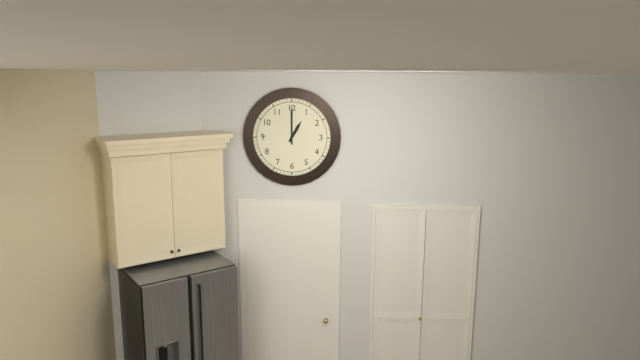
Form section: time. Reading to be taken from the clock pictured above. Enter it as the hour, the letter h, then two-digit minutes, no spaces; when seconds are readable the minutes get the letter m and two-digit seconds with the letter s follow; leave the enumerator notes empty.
1h00
